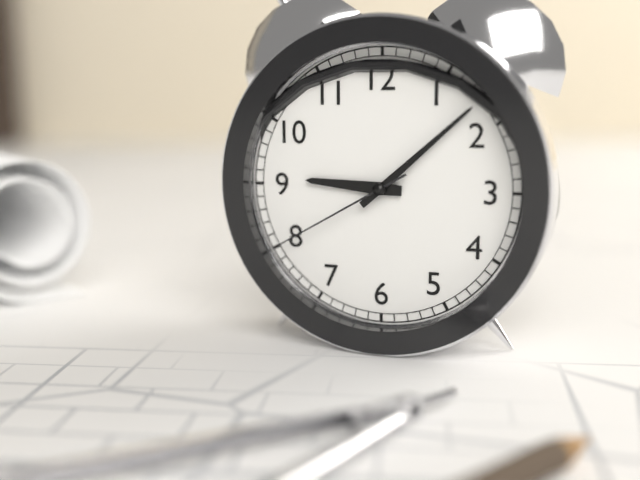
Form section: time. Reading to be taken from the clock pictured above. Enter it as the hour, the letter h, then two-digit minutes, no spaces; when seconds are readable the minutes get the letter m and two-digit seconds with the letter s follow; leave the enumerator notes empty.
9h08m40s
